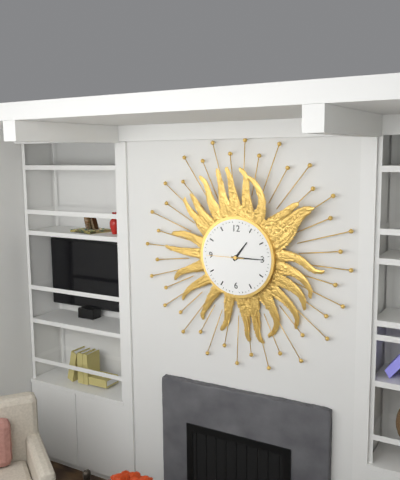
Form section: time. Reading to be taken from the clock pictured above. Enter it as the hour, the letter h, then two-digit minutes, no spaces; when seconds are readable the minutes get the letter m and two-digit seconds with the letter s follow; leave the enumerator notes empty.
1h15
